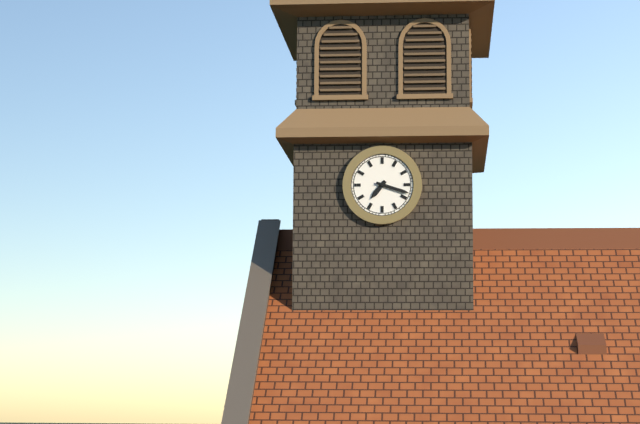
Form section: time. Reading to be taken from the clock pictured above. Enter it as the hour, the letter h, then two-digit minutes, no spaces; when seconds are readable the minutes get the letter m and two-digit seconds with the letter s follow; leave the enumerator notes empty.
7h18
